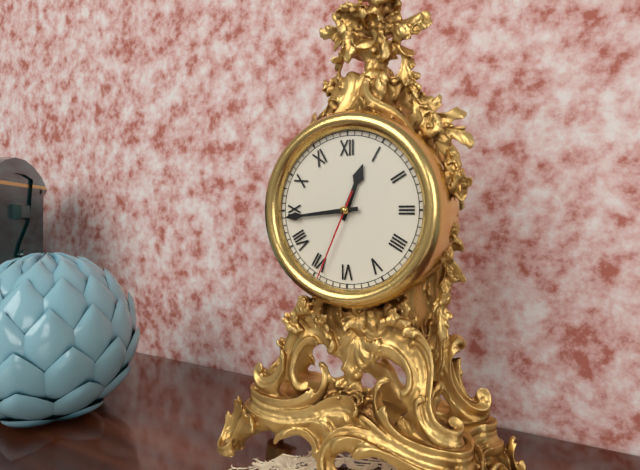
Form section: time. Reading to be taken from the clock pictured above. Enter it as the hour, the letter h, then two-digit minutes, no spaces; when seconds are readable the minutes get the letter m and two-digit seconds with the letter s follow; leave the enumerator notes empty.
12h44m34s
